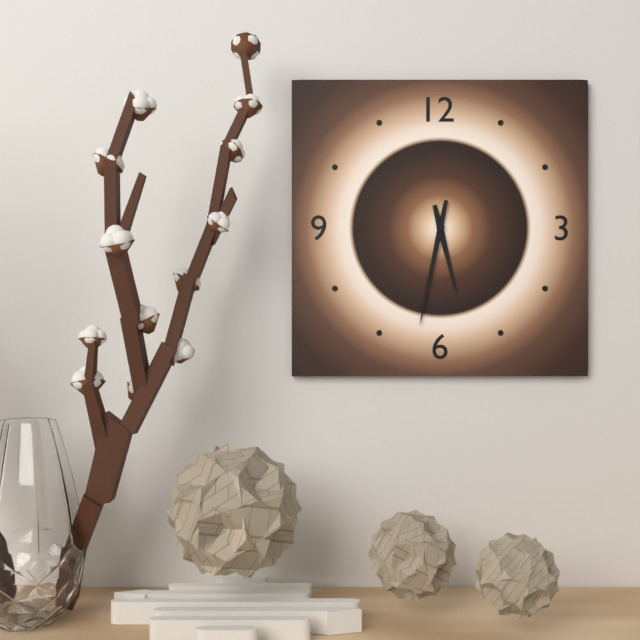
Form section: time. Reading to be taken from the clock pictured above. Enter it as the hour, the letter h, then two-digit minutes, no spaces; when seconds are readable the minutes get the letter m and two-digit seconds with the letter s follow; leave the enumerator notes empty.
5h32
